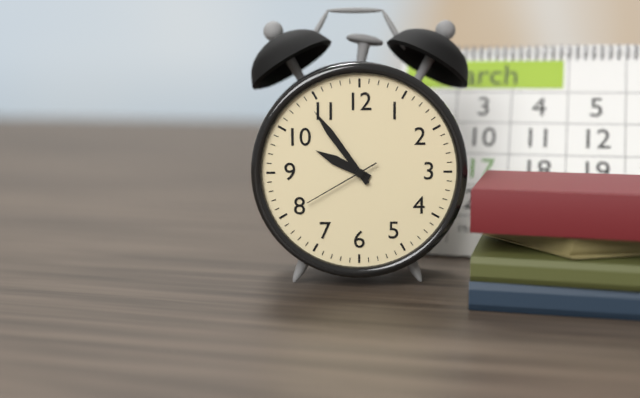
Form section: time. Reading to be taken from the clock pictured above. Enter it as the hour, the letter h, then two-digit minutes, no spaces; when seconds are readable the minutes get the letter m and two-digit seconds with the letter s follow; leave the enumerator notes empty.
9h54m40s
